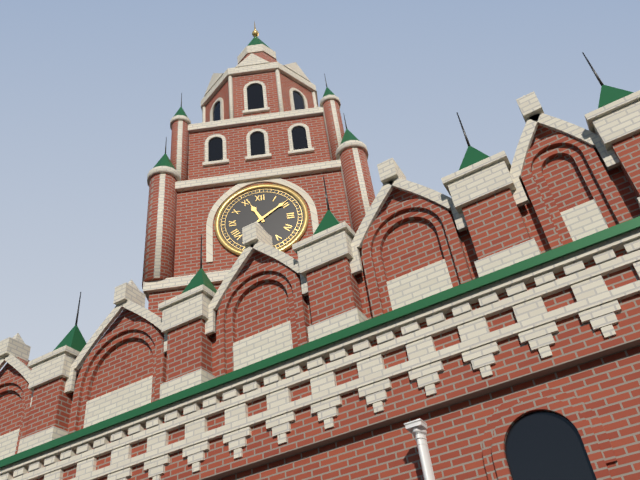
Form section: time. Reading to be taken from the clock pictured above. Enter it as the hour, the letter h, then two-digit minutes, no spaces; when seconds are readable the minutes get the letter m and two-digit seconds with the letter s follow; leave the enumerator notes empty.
11h09
